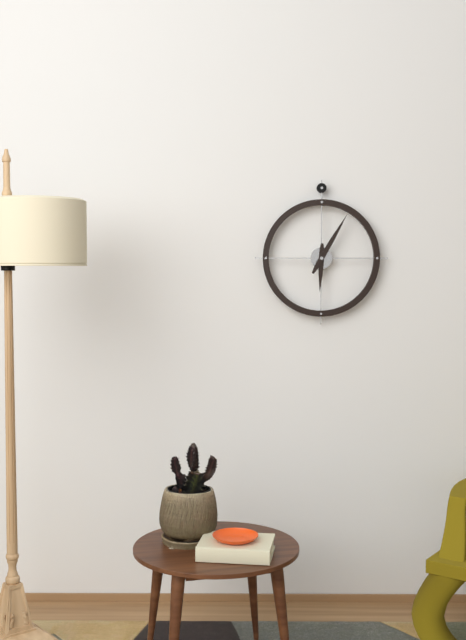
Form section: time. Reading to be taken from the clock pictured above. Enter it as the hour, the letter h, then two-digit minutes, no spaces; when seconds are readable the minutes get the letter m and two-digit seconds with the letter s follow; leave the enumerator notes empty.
6h05
